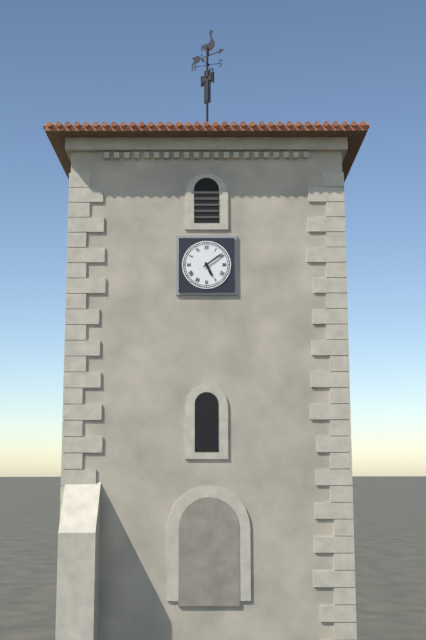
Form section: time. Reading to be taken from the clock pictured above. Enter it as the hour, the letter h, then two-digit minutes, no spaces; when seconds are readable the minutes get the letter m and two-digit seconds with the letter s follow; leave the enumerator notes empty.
5h09
